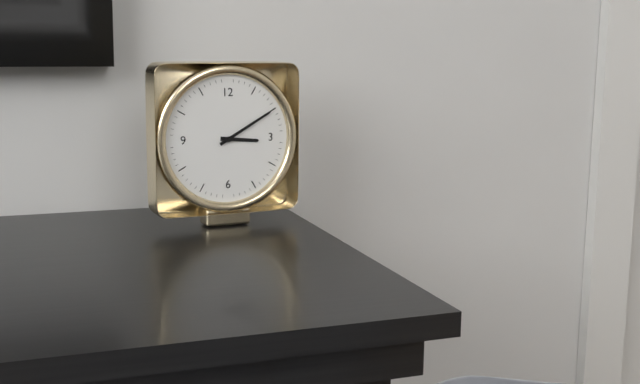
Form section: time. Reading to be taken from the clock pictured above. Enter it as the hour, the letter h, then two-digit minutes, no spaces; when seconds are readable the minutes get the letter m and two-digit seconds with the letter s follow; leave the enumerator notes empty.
3h10
